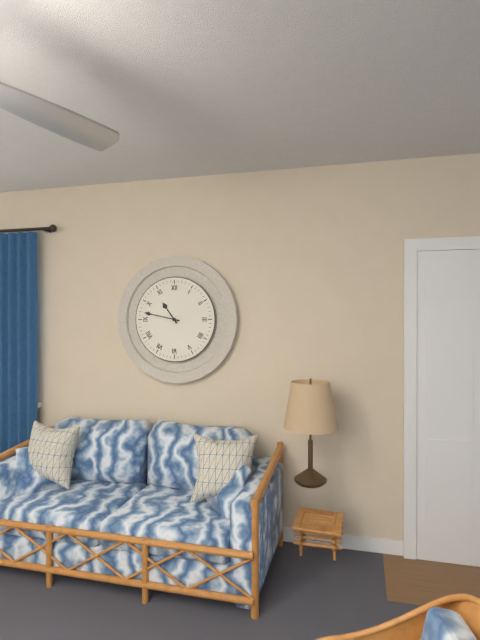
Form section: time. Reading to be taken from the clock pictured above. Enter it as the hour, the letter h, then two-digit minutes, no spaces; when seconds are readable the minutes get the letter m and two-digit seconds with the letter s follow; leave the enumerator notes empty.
10h47
